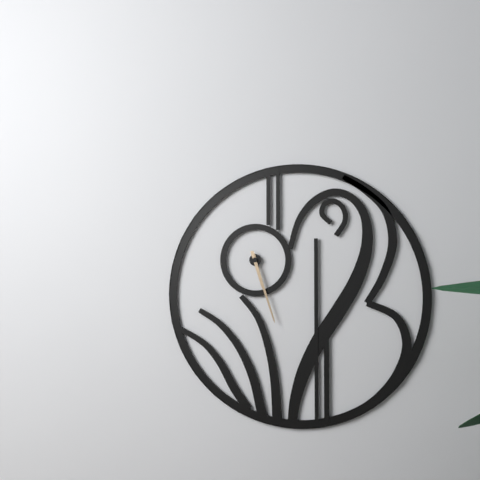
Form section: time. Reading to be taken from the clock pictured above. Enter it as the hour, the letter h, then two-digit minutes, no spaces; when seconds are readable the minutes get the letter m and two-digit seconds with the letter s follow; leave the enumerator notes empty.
5h27
